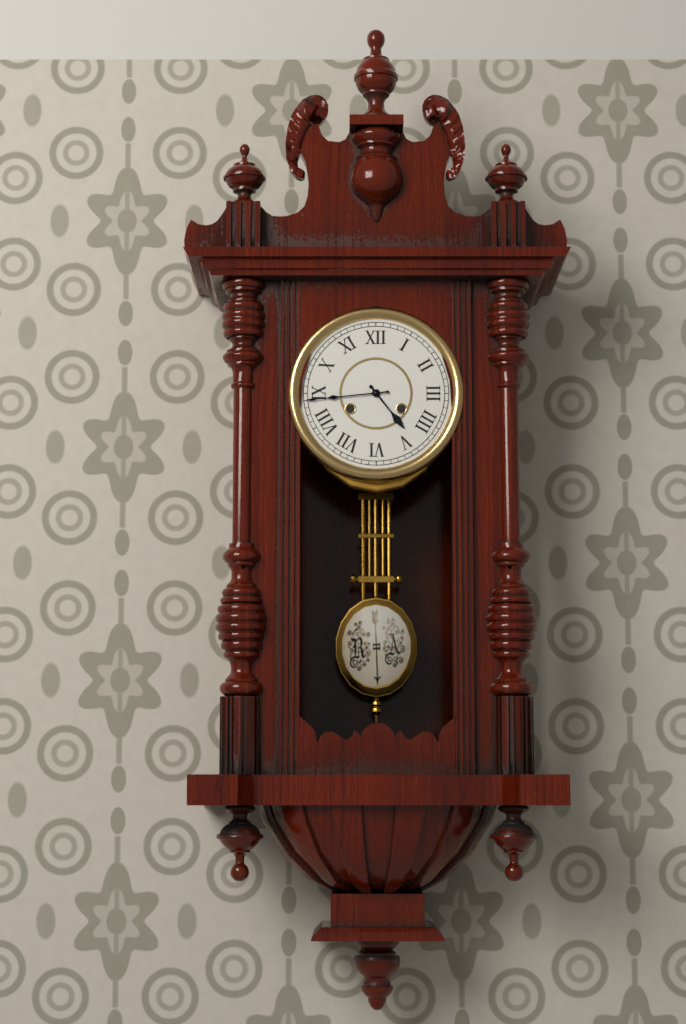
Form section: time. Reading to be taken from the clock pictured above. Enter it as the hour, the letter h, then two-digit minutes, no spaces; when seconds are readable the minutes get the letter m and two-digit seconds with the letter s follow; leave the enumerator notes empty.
4h44
